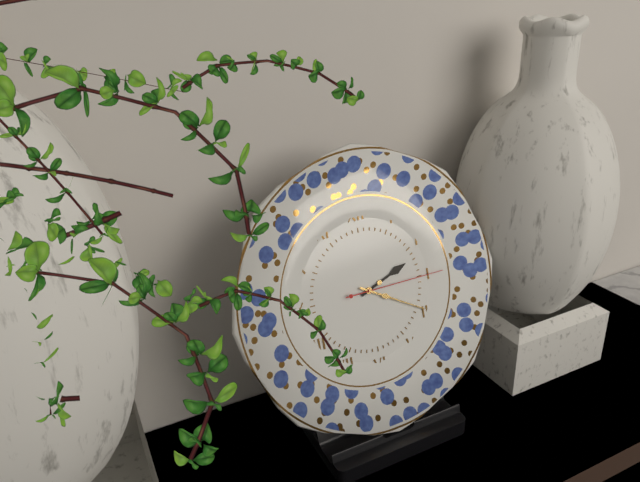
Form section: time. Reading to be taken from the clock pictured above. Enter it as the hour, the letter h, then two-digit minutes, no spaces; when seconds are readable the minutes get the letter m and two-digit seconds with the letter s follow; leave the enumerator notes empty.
2h20m15s
